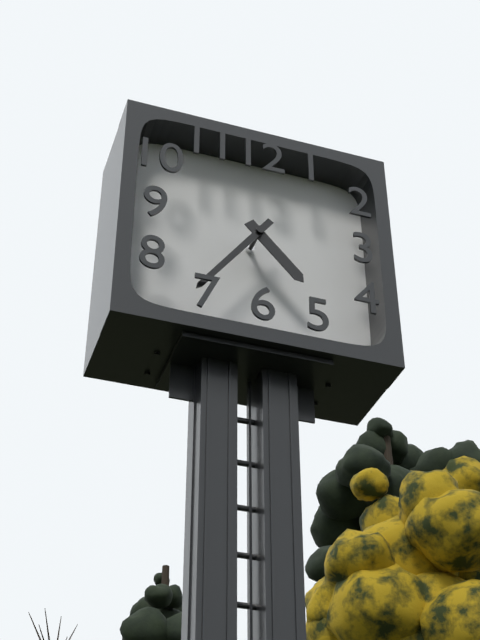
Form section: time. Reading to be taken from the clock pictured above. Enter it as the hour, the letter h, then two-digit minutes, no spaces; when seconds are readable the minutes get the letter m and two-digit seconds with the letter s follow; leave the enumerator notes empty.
4h36
